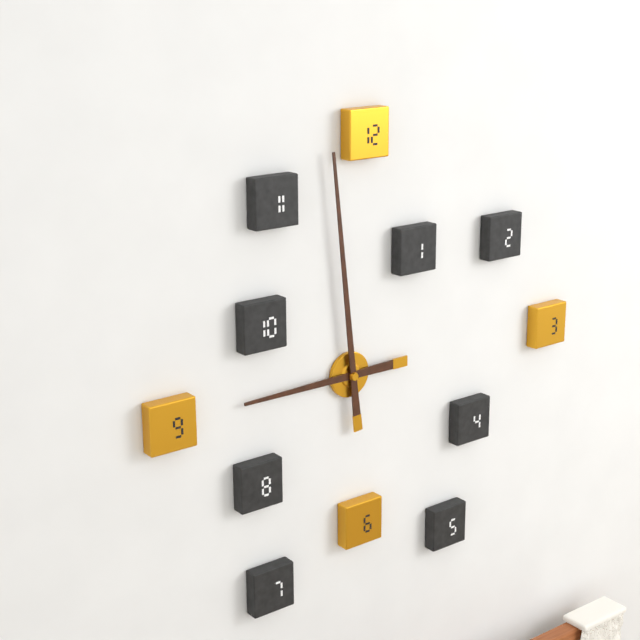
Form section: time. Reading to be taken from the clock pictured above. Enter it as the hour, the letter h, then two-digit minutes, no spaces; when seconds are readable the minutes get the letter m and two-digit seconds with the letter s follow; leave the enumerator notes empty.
8h59
